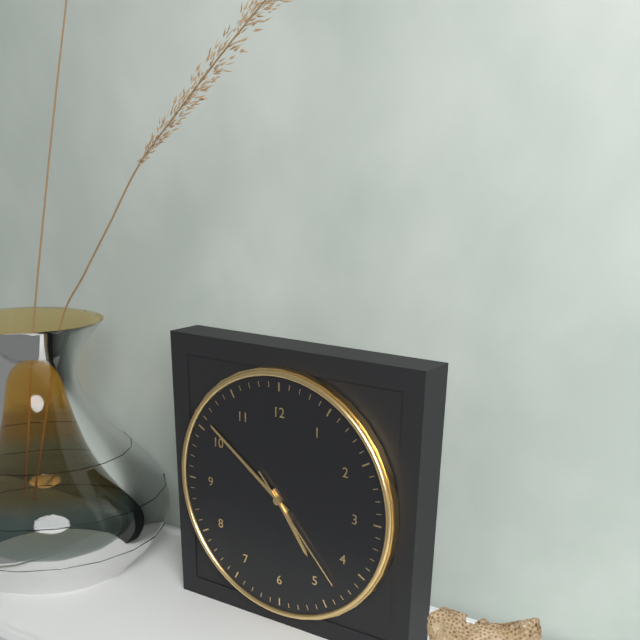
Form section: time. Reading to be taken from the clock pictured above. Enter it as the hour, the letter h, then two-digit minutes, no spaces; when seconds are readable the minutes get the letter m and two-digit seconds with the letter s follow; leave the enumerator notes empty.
4h51m23s
